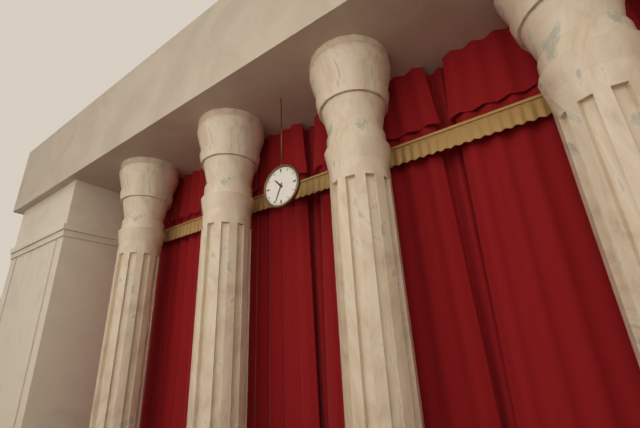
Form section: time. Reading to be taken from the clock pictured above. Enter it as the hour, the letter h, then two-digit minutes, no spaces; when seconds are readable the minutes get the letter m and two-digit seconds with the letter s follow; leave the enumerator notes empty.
10h34
